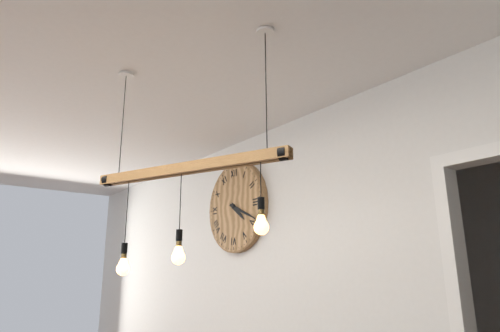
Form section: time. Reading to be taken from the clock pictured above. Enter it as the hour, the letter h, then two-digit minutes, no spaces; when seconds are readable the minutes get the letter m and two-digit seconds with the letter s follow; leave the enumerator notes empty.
4h19
